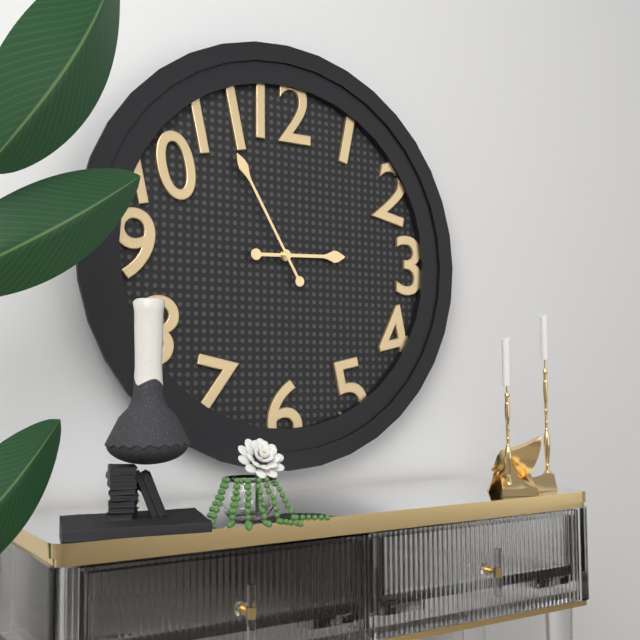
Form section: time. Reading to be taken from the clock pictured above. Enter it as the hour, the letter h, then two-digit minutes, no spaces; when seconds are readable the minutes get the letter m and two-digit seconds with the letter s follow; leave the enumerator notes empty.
2h55
